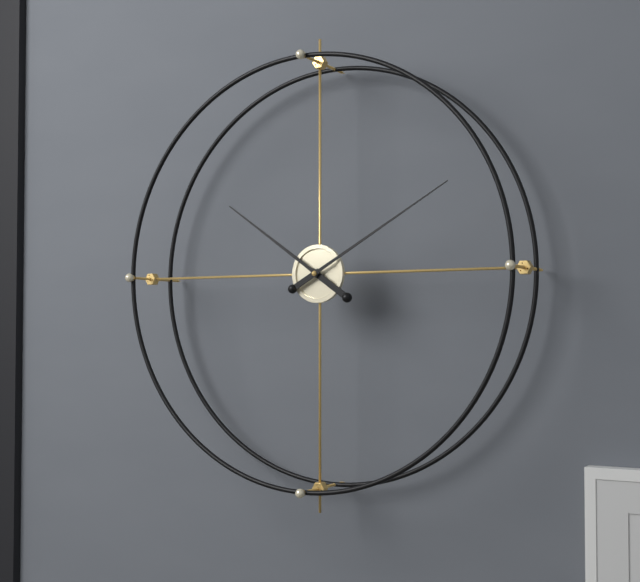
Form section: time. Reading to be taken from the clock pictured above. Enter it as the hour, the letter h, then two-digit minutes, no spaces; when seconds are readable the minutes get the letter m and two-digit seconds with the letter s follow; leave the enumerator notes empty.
10h10
